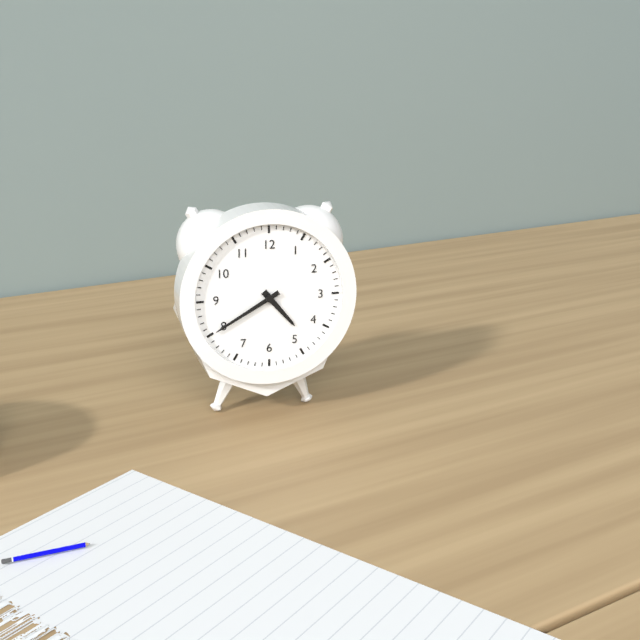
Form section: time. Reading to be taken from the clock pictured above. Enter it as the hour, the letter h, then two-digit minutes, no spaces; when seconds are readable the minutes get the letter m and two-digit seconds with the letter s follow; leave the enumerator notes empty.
4h40
